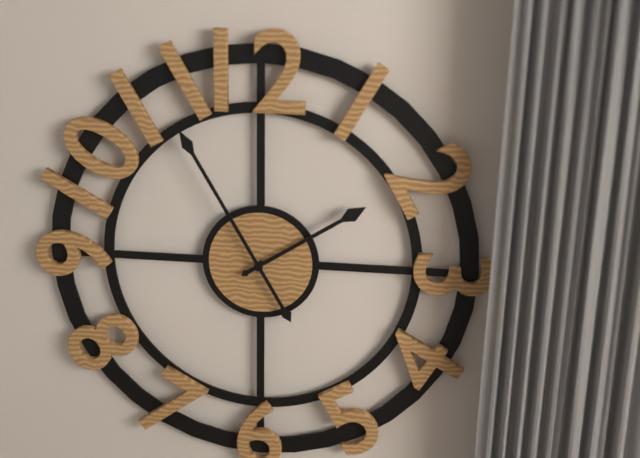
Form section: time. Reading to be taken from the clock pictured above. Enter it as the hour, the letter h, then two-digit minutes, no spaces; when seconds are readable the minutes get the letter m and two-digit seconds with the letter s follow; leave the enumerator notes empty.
1h55
